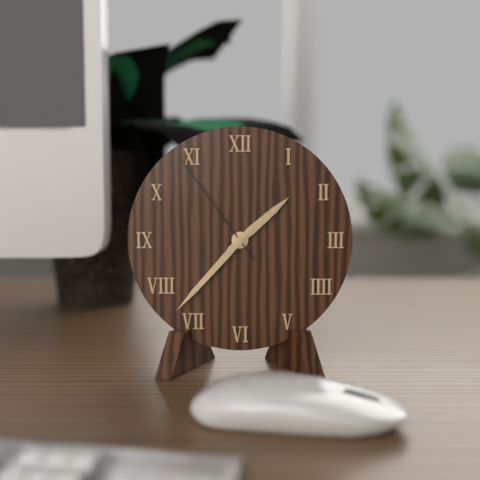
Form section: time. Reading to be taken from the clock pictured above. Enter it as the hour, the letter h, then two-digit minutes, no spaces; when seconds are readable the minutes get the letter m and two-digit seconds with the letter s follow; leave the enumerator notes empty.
1h37m54s
